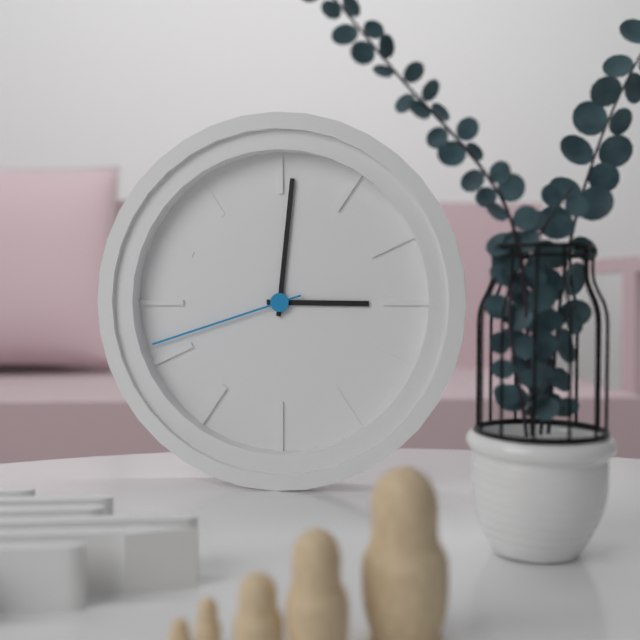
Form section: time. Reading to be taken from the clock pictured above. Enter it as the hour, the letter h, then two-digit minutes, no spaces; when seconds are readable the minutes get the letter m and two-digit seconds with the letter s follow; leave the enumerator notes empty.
3h01m42s
